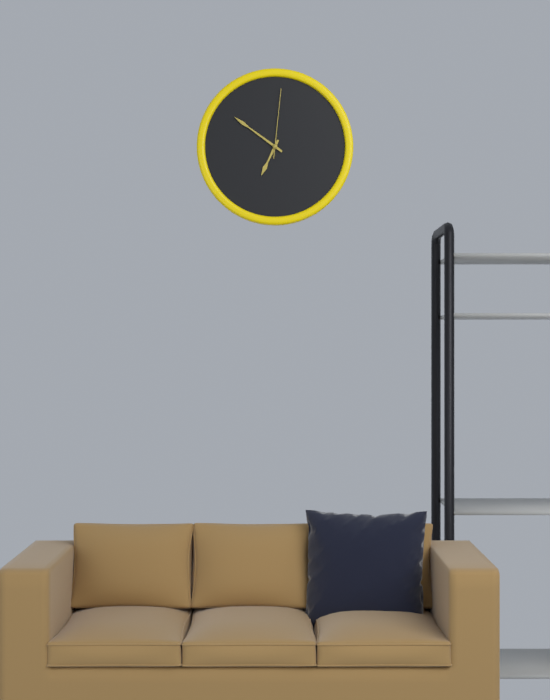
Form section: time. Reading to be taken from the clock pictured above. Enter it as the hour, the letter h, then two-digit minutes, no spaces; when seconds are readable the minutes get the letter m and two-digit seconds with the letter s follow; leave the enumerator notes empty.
6h51m01s
